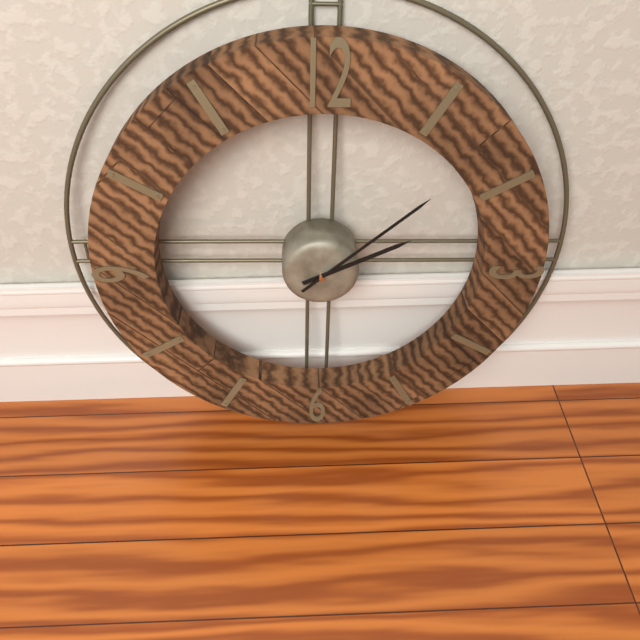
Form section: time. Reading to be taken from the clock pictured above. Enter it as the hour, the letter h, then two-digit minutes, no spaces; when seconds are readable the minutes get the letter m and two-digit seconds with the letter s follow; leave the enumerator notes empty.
2h08
